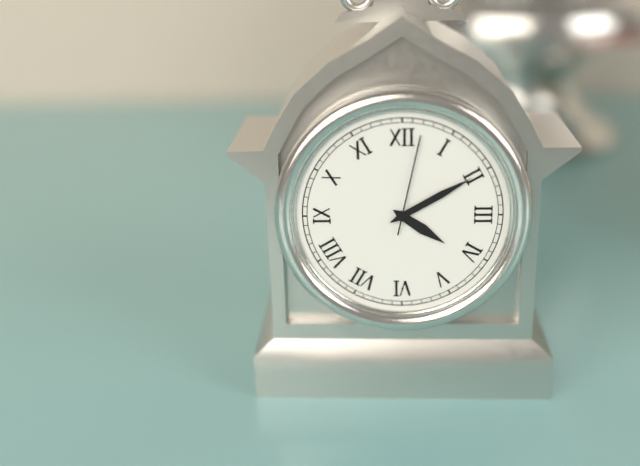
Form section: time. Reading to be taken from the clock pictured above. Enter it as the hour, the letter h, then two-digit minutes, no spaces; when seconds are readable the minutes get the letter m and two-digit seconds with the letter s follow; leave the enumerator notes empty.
4h10m02s
